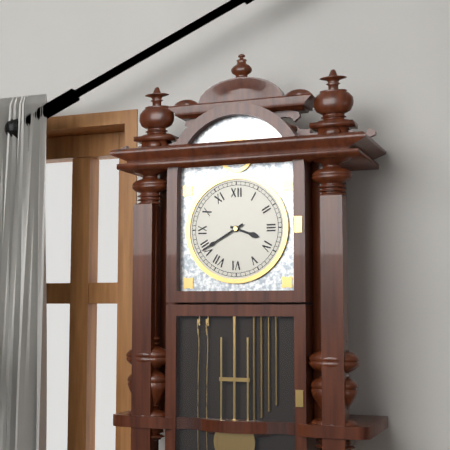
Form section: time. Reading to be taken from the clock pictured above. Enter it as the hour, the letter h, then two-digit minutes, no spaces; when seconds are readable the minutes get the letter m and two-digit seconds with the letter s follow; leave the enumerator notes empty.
3h40
